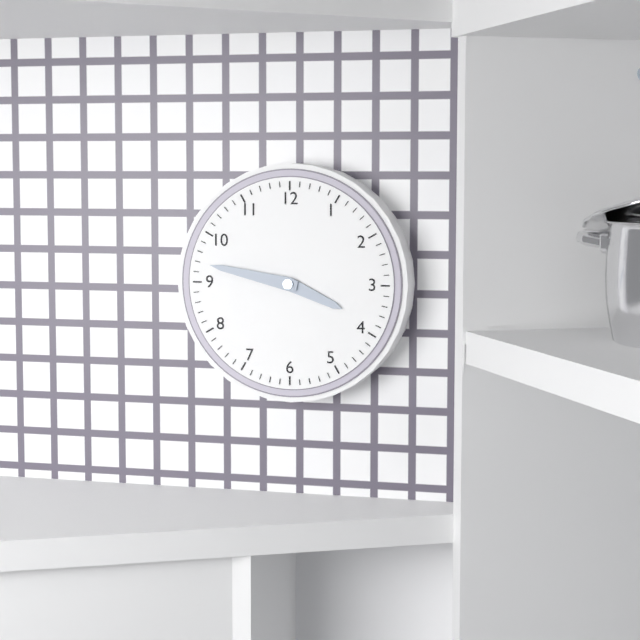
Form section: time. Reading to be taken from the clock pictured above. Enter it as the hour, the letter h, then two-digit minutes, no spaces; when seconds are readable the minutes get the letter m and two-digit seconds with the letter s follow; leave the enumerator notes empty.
3h47
